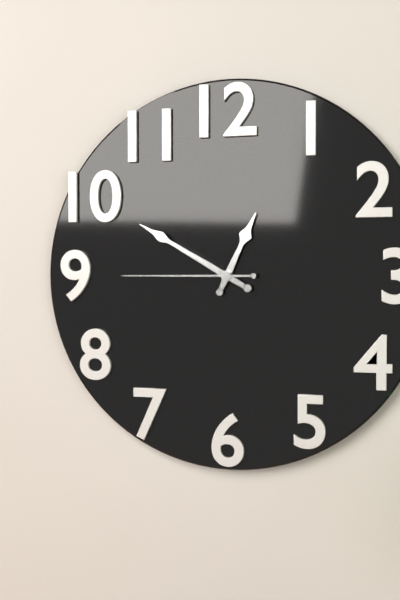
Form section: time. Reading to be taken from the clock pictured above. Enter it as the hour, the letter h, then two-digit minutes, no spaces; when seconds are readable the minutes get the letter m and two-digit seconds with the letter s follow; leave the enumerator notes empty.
12h50m45s
